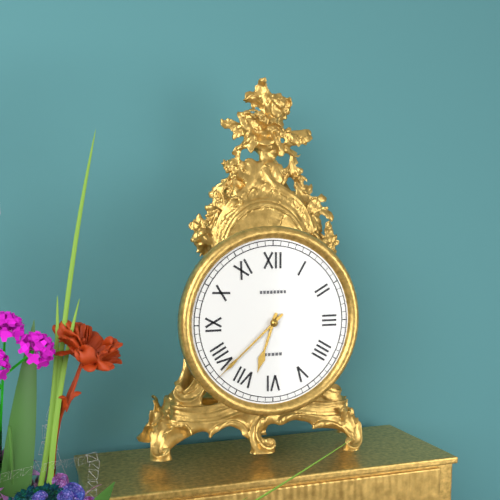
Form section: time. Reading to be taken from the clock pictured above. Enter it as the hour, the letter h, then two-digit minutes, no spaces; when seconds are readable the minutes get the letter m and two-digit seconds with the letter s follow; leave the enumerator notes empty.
6h38
